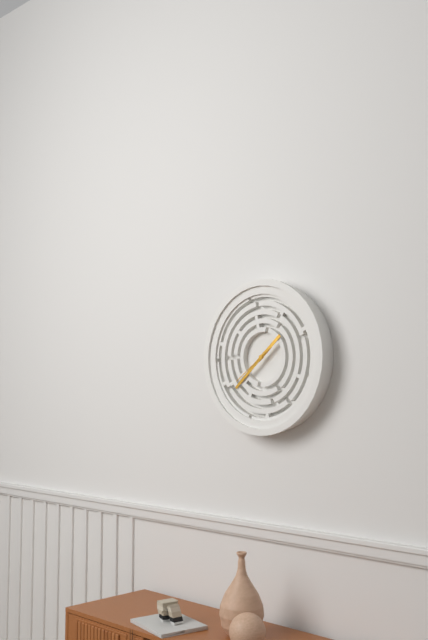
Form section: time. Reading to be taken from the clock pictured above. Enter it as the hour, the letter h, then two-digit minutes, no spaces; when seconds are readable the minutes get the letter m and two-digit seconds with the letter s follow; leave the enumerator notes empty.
1h38m39s
